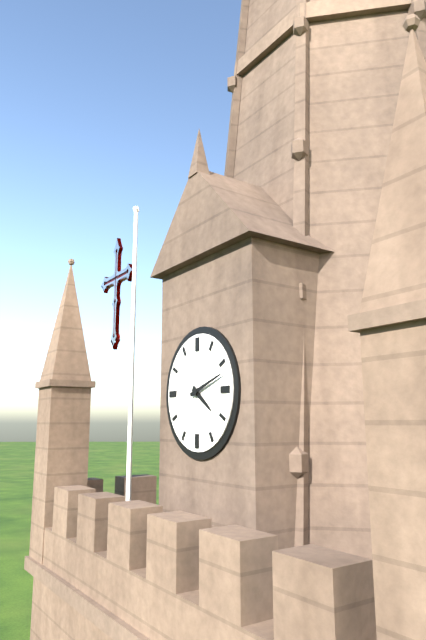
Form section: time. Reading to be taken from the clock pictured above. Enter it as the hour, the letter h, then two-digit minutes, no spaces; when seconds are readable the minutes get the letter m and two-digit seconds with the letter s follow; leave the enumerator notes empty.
4h12
